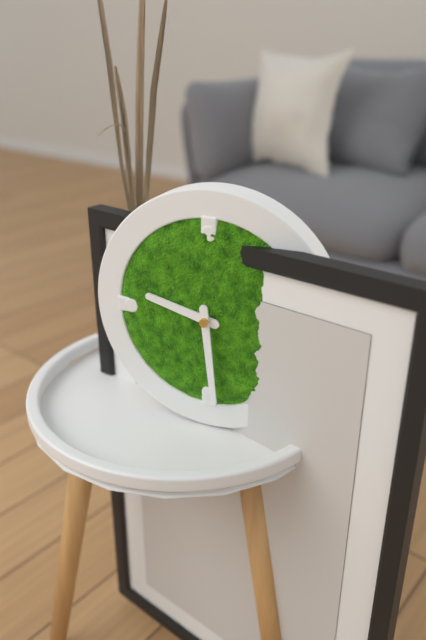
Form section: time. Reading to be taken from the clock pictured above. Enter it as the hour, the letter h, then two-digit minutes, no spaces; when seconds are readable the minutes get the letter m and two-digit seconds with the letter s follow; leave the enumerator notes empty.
9h29
